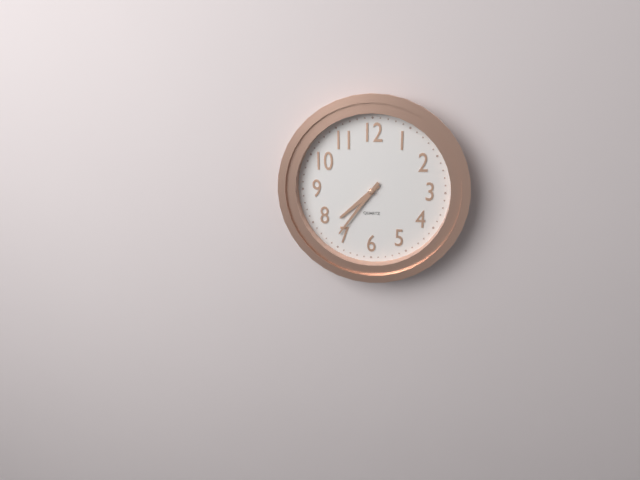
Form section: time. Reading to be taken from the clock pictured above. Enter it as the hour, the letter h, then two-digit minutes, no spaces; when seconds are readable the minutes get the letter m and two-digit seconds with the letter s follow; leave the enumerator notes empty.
7h36
